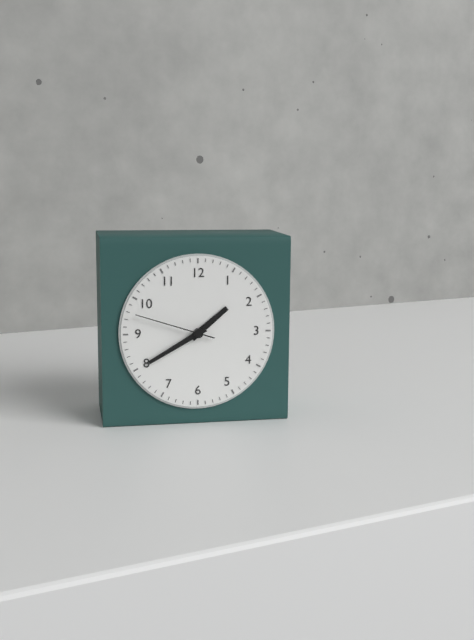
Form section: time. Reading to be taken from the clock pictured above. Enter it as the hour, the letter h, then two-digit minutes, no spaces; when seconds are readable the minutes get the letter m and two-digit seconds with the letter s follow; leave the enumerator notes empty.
1h40m48s
